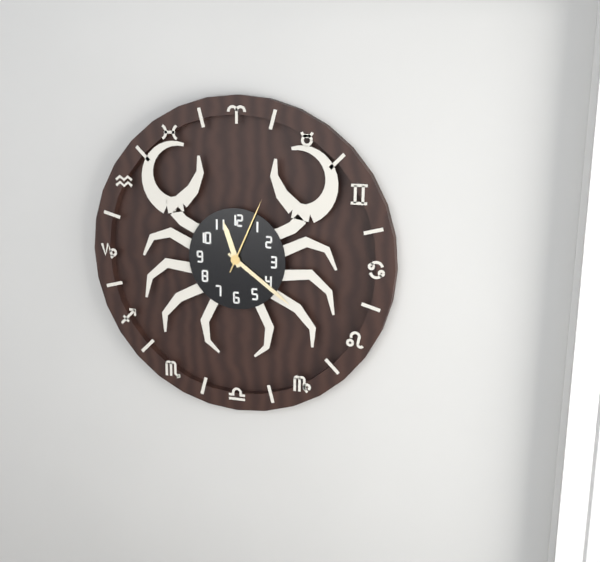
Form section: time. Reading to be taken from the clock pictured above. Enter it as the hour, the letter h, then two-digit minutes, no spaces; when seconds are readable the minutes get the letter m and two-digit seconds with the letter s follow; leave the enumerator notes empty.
11h21m04s
